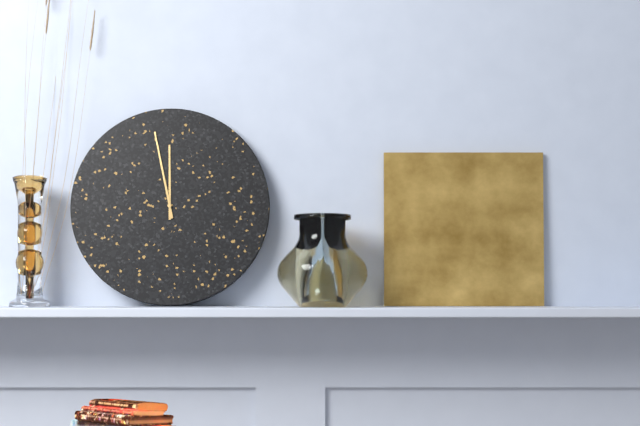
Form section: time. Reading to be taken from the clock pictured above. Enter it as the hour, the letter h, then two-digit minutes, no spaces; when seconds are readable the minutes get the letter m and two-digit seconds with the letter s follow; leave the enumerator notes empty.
11h58
